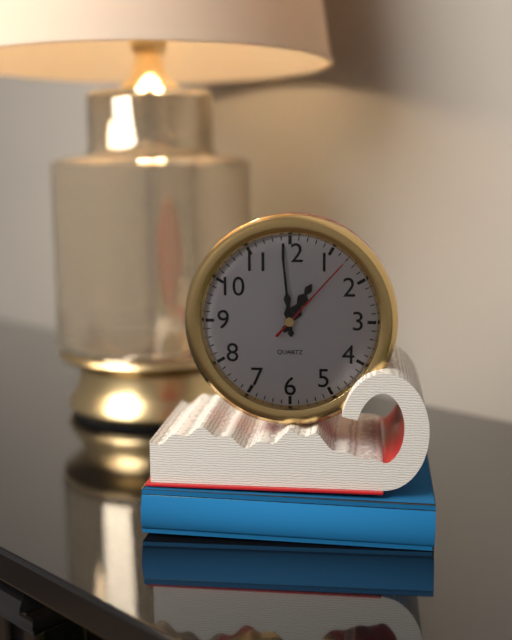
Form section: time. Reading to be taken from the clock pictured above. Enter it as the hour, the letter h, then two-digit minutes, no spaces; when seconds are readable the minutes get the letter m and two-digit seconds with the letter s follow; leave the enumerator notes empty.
12h59m07s
